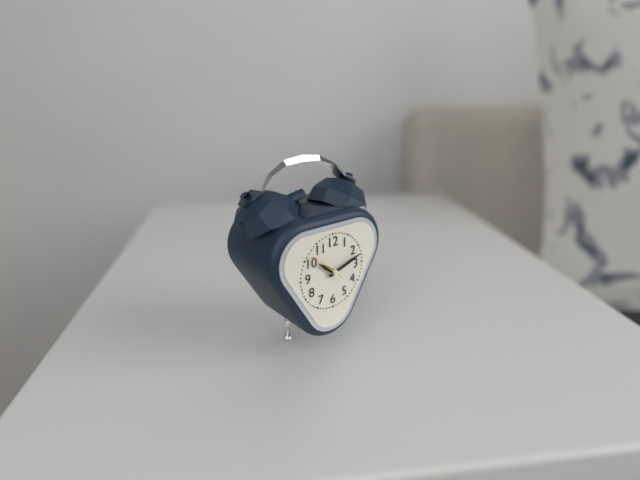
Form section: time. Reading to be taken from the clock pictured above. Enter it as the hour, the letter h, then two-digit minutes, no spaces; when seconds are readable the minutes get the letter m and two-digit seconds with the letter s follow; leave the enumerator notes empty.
10h12
